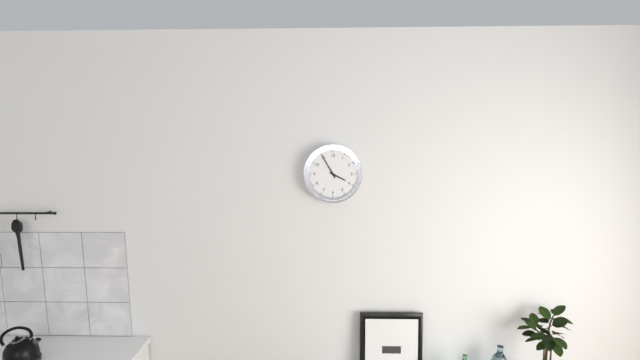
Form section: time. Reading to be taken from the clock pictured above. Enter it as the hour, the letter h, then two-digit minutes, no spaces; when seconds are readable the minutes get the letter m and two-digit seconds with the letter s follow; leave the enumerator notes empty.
3h55
